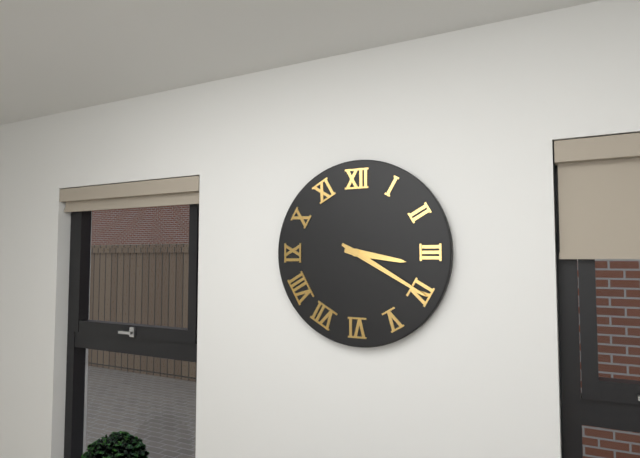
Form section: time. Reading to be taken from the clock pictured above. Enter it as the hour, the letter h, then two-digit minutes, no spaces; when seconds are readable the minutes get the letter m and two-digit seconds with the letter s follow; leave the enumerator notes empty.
3h20
